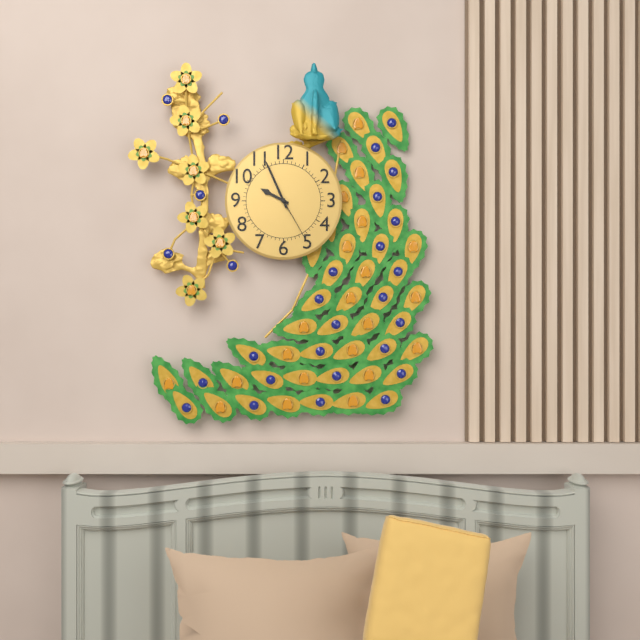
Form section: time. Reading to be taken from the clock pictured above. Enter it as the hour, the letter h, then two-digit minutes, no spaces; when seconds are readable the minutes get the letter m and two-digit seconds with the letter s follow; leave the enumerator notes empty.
9h56m25s
